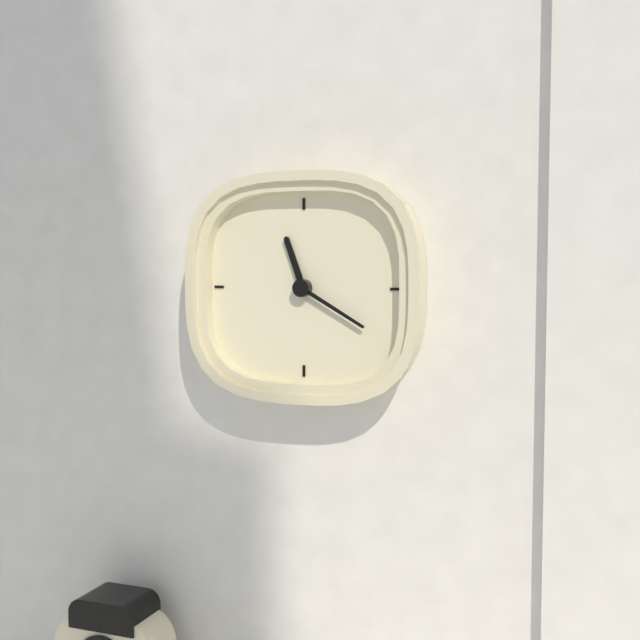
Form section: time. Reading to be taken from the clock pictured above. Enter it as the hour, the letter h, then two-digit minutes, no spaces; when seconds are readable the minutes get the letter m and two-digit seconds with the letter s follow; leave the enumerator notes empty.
11h20
